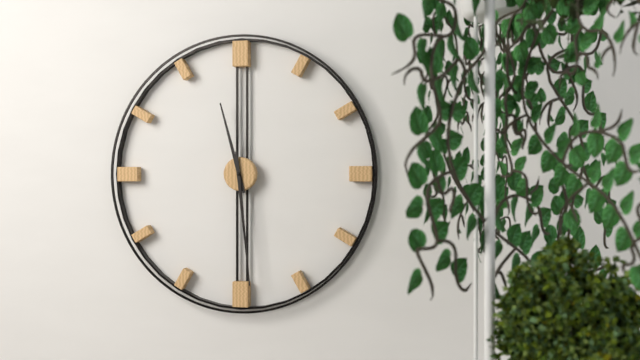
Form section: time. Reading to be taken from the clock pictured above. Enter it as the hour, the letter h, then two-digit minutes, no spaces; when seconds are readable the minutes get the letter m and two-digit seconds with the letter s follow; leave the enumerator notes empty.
11h29
